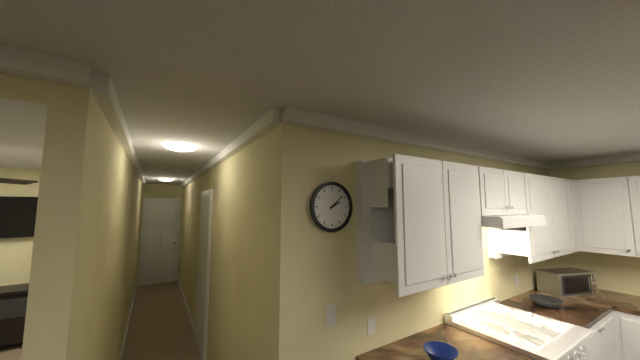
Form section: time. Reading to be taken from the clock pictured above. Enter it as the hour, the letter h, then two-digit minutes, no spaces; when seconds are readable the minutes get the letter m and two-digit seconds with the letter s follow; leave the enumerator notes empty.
2h08
